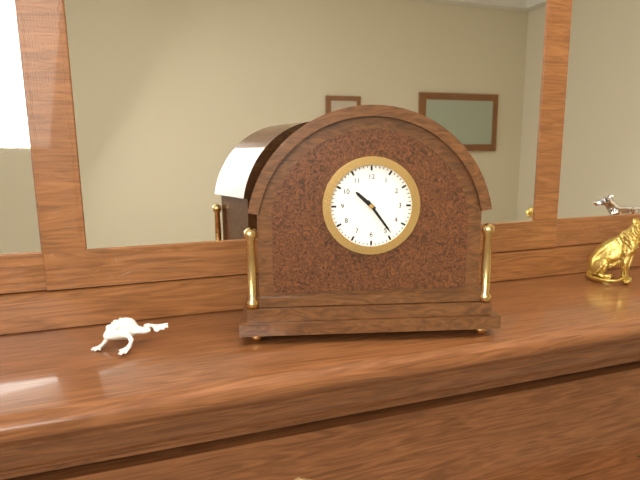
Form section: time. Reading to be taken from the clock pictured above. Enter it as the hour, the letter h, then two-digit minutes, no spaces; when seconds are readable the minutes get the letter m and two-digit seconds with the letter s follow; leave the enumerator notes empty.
10h24
